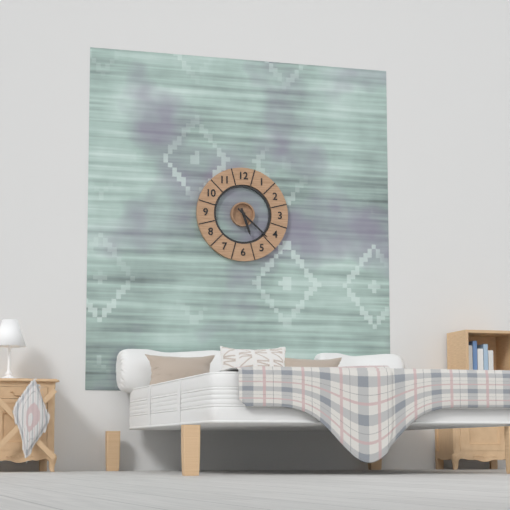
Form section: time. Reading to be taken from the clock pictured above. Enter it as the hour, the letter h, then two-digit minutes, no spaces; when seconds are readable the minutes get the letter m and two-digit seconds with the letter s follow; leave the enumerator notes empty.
5h22
